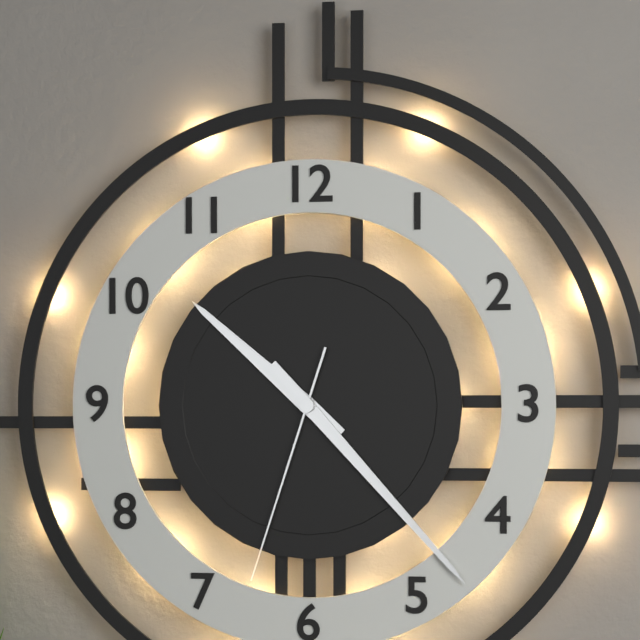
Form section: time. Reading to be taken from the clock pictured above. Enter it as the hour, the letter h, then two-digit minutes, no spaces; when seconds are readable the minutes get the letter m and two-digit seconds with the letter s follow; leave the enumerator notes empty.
10h23m33s
